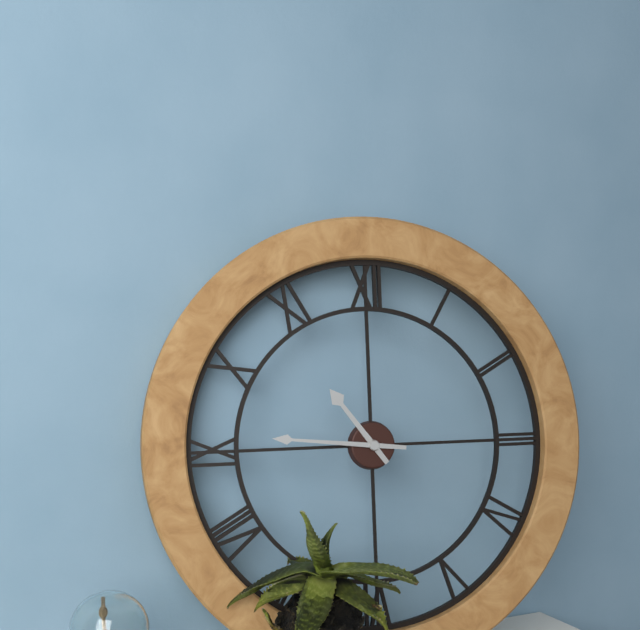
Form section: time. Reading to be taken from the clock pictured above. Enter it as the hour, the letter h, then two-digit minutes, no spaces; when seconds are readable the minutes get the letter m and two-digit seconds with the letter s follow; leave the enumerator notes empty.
10h46
